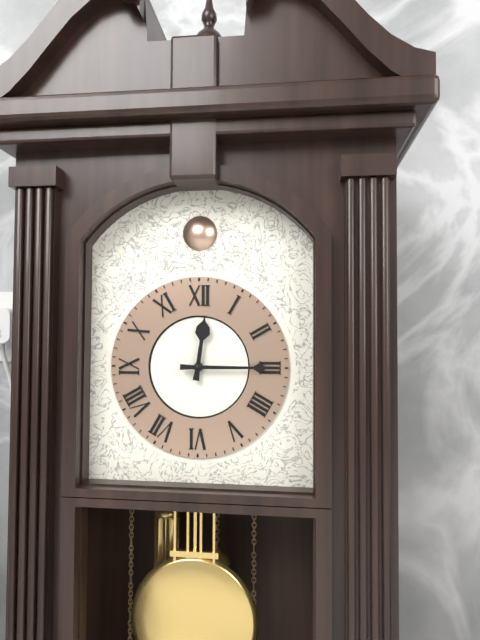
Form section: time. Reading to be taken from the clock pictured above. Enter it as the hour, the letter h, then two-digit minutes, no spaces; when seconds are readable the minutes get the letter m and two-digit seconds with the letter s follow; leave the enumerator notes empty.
12h15
